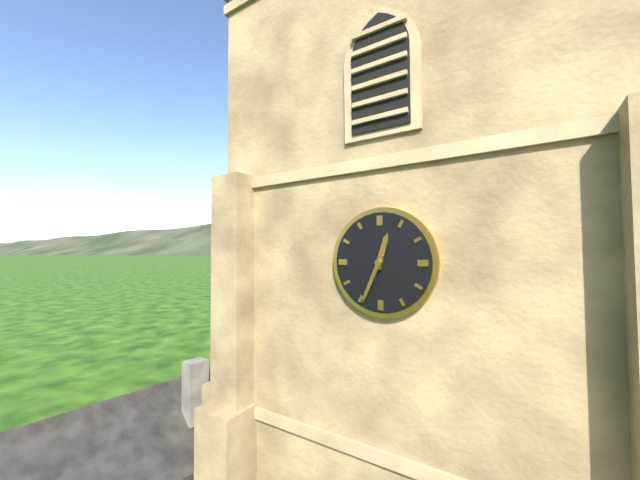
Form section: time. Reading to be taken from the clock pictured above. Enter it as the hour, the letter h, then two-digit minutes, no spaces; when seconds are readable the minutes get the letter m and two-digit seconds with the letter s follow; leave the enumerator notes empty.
12h34
